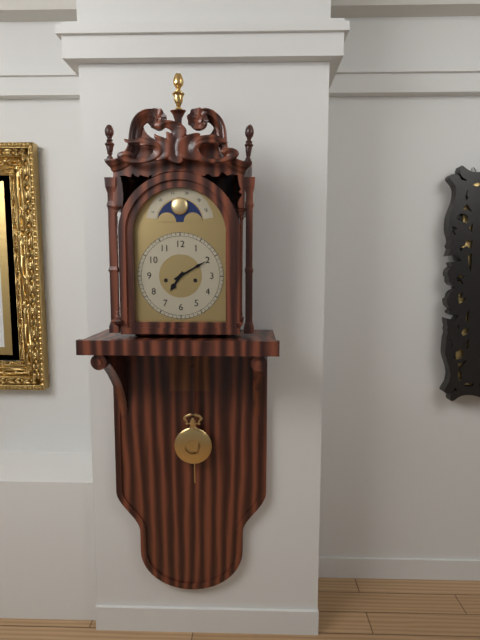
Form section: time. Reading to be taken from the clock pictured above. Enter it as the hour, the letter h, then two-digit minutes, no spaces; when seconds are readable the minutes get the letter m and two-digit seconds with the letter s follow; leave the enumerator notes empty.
7h10
